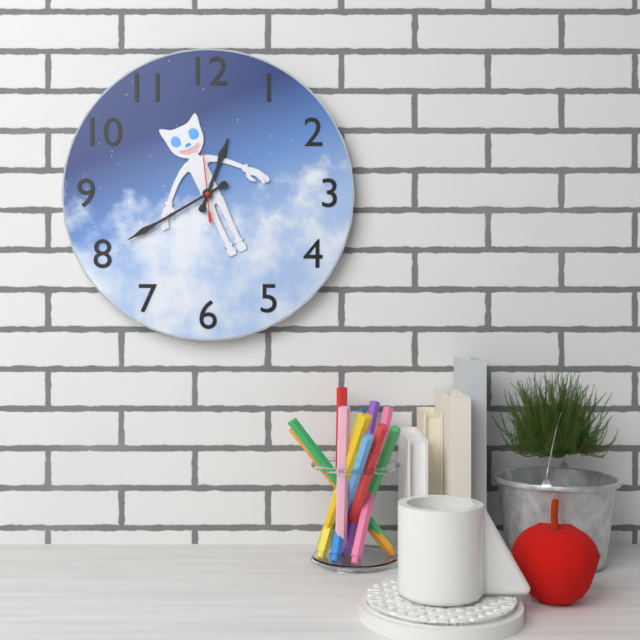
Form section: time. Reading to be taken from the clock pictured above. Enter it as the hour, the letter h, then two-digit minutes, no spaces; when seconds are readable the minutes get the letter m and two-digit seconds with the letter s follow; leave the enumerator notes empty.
12h40m59s
